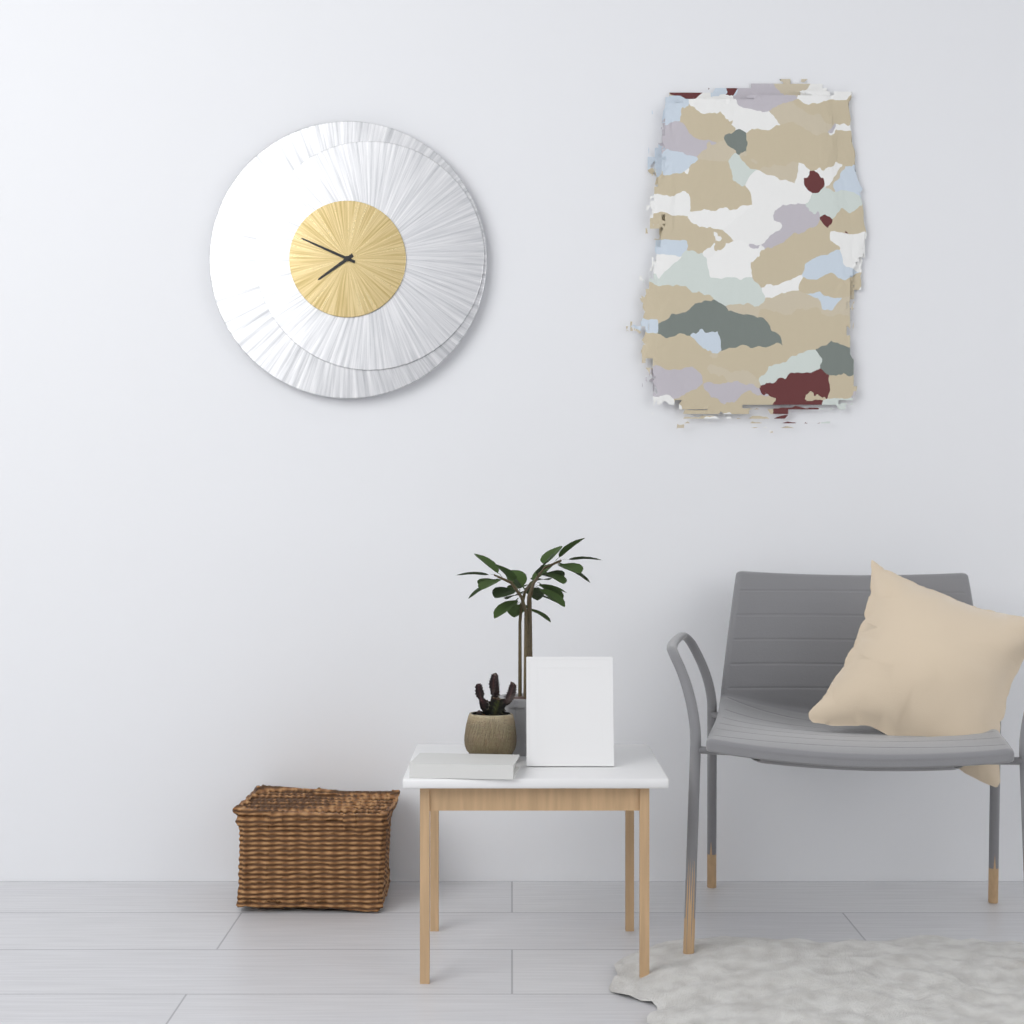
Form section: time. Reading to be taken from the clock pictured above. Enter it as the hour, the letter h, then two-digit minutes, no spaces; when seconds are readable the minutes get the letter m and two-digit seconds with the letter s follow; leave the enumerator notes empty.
7h49
